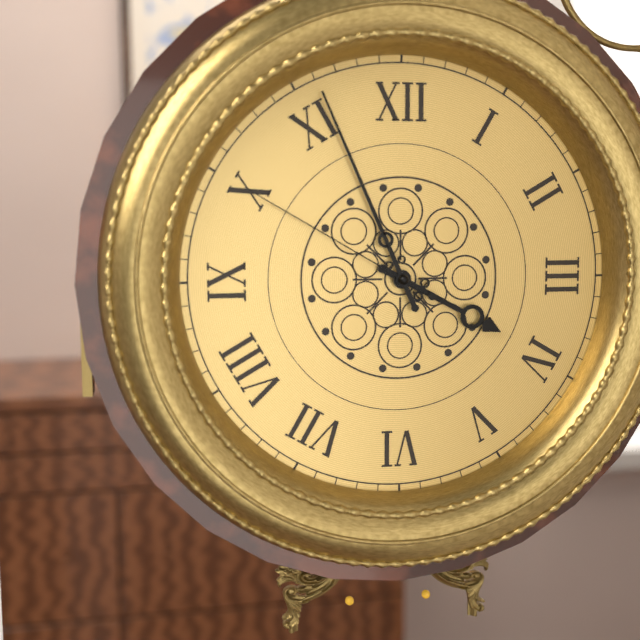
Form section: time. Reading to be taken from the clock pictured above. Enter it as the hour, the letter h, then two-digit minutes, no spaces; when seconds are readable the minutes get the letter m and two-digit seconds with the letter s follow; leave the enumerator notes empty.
3h56m50s
